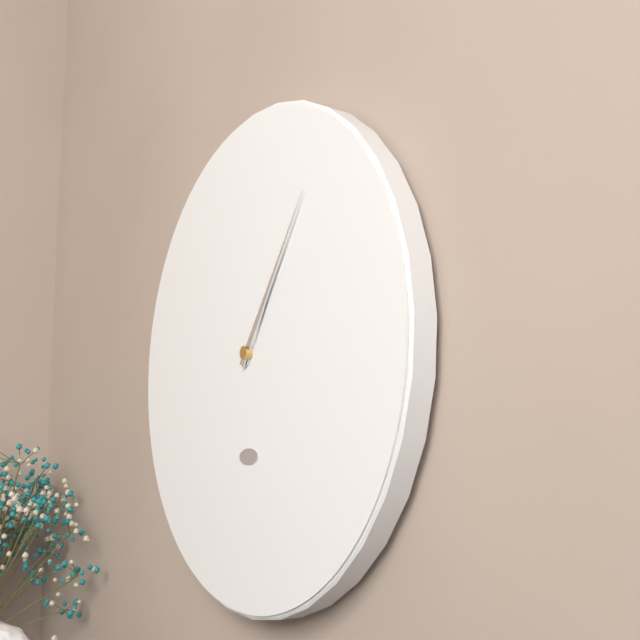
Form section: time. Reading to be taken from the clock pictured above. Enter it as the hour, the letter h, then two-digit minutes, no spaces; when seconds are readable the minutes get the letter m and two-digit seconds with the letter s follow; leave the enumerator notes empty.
1h06
